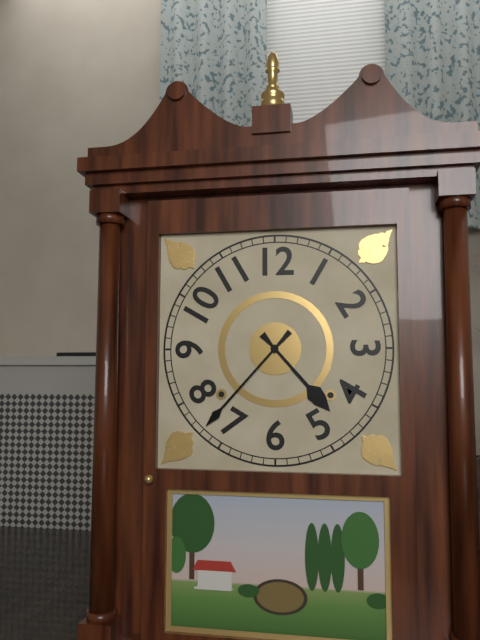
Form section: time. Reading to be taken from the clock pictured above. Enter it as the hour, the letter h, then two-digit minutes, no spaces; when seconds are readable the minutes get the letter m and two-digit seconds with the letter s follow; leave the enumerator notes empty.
4h37
